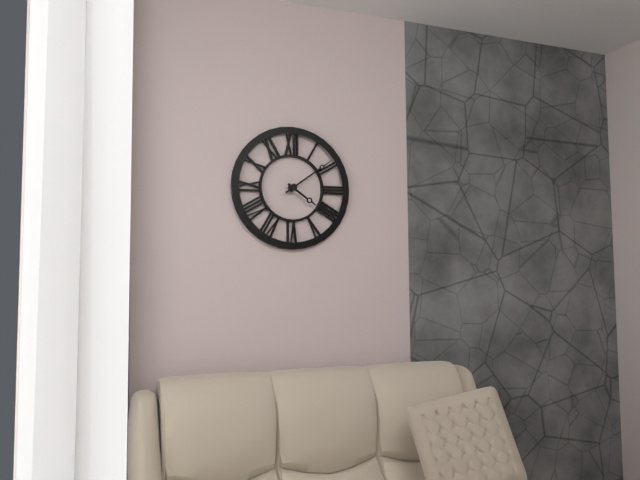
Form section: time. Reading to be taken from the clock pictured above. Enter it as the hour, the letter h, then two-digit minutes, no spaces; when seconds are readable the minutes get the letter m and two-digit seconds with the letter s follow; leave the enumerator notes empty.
4h09
